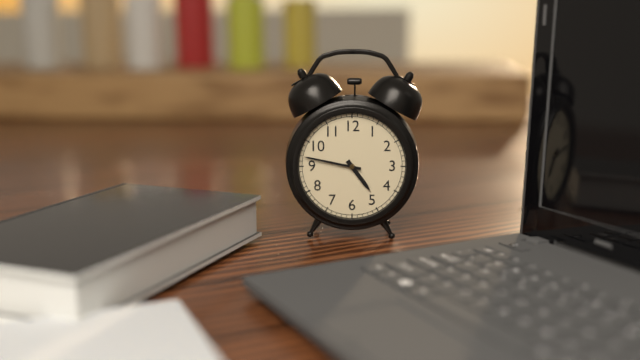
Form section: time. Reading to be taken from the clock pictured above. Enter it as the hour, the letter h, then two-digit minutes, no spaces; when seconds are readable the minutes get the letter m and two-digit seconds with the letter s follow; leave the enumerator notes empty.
4h47
